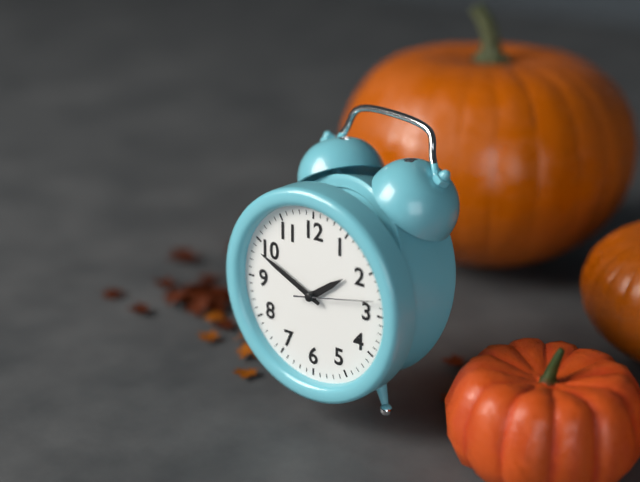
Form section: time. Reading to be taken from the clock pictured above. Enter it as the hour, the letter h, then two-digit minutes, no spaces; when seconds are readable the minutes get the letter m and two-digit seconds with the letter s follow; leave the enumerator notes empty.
1h49m13s
